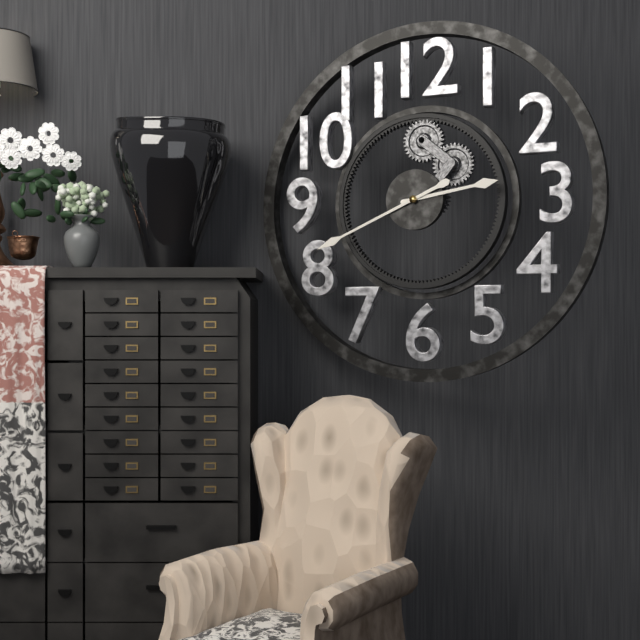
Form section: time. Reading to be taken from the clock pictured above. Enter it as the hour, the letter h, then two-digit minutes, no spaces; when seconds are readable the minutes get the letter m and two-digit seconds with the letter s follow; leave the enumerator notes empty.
2h41
